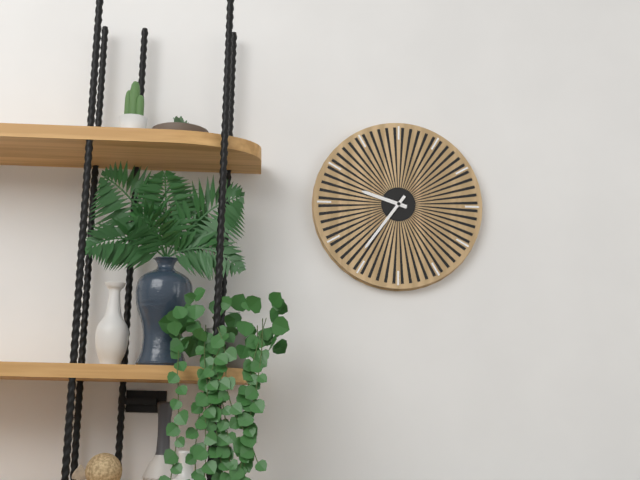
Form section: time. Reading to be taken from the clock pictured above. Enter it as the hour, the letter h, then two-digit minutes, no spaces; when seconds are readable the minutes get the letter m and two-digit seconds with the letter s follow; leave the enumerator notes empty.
9h36
